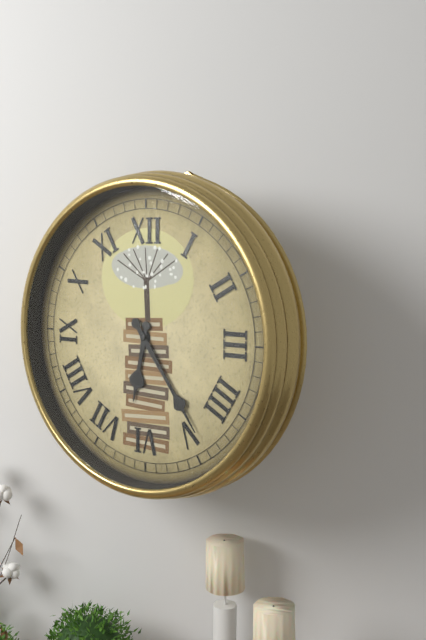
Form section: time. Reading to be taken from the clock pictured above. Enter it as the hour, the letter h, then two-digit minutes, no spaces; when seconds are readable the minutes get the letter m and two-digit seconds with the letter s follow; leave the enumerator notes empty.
6h24
